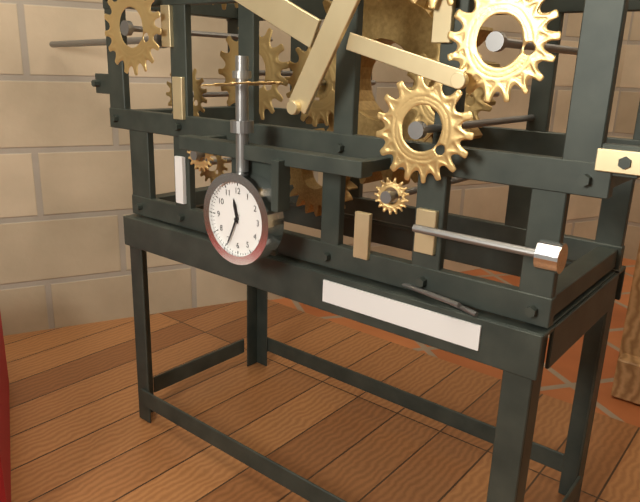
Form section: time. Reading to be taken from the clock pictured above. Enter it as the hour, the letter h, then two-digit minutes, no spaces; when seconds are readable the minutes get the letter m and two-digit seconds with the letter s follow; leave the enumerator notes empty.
11h34
